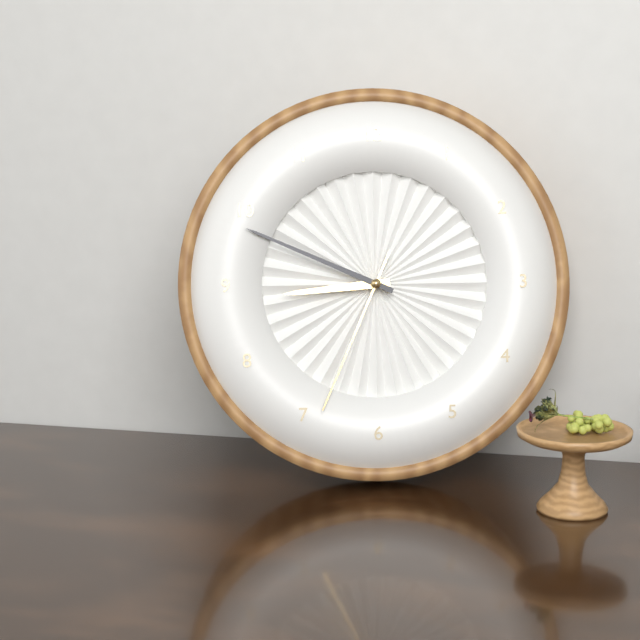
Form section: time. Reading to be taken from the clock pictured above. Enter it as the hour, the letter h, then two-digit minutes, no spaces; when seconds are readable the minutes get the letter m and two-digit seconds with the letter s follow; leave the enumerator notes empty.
8h49m34s
